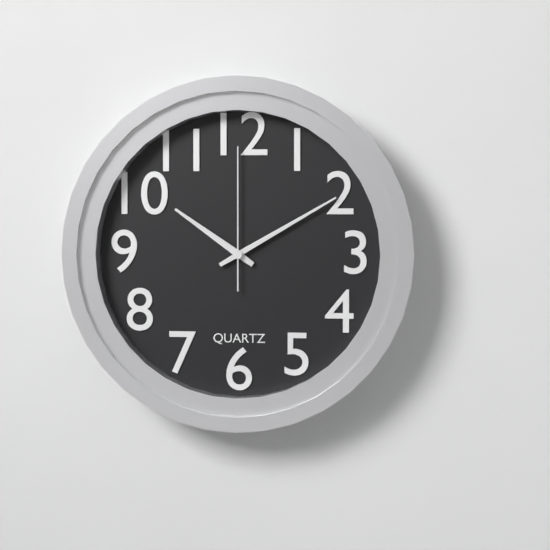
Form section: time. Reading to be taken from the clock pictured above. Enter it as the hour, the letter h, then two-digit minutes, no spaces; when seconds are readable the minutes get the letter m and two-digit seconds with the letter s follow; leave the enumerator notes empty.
10h10m00s
